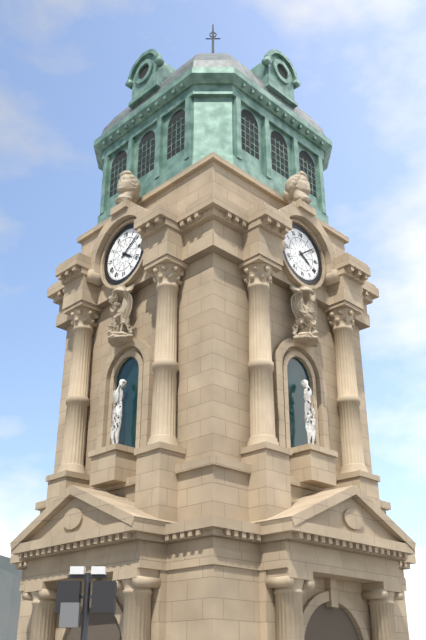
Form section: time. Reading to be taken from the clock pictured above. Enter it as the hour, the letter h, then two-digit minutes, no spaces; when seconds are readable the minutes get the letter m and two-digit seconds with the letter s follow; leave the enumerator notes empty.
4h09
